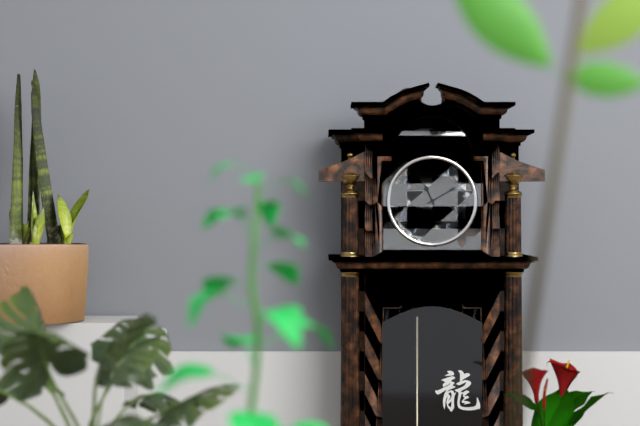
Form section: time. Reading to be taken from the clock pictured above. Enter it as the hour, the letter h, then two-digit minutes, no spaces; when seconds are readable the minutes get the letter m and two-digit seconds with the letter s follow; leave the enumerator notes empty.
11h10
